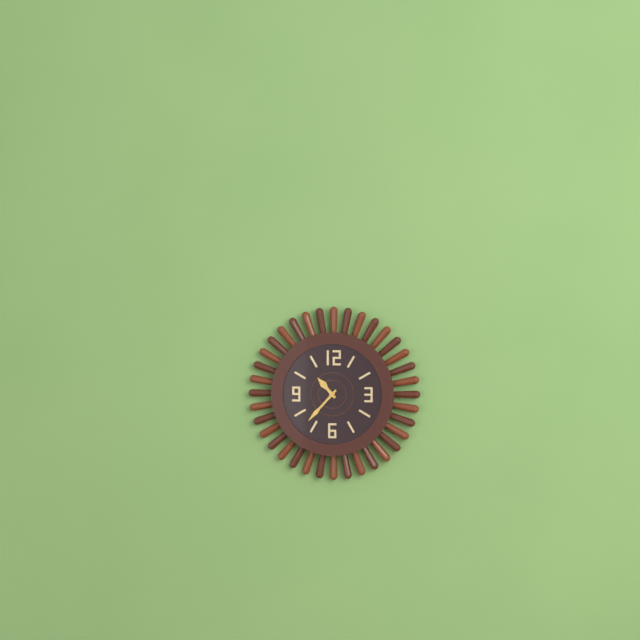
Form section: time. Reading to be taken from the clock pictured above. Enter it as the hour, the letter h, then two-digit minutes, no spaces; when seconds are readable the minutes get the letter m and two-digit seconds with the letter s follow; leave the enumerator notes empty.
10h37
